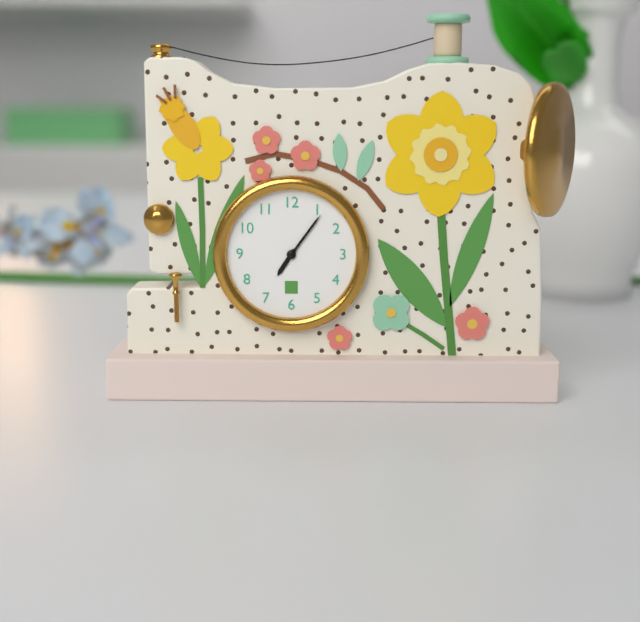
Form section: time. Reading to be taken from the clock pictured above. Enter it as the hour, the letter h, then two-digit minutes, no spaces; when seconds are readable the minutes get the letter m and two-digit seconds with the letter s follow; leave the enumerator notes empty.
7h06
